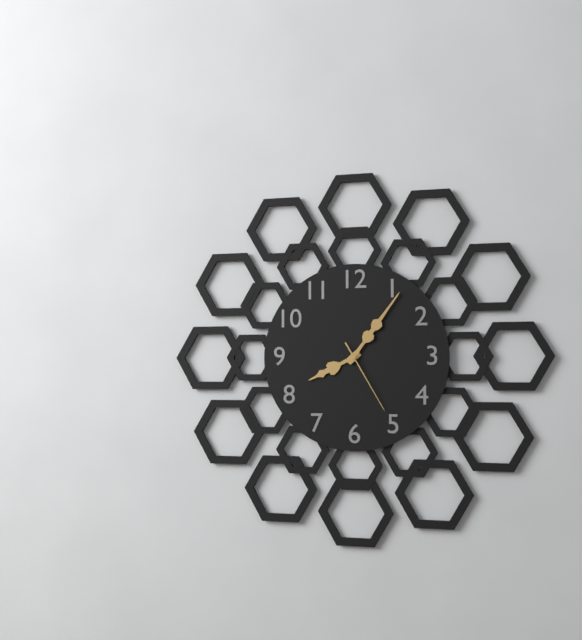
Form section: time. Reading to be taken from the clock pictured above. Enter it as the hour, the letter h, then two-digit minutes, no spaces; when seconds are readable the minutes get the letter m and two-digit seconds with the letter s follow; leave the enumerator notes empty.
8h06m25s
